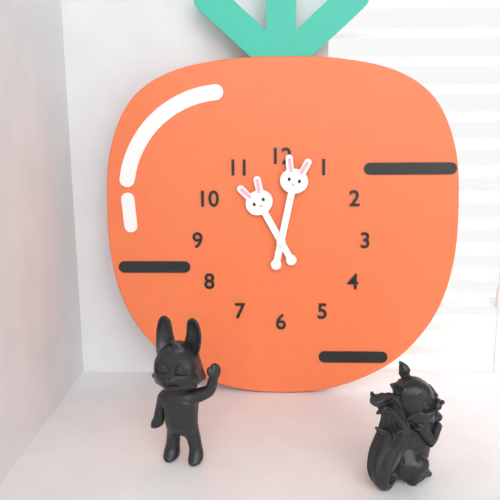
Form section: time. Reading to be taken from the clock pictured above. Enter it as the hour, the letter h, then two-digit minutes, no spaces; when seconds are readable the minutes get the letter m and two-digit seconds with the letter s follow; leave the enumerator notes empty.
11h02
